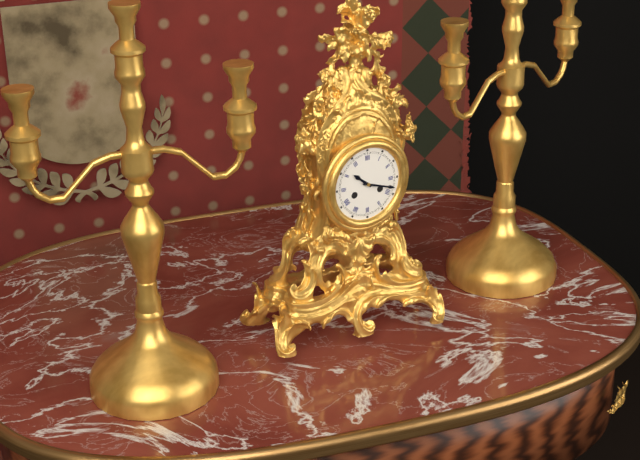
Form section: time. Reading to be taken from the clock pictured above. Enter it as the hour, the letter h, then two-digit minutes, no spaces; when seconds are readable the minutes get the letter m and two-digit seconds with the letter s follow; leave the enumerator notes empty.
10h18
